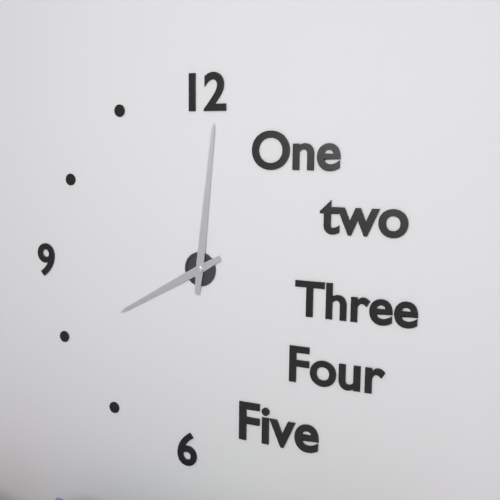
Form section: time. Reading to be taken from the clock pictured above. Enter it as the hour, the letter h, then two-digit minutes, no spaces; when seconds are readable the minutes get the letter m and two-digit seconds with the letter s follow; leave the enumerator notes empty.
8h01
